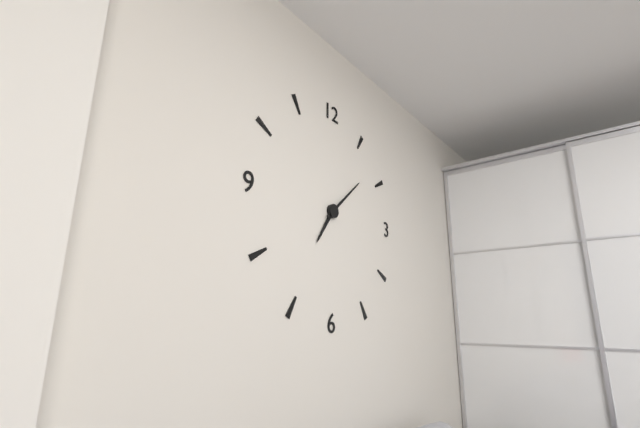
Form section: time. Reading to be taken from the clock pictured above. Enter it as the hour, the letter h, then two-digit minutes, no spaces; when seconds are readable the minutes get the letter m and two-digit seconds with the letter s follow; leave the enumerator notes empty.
7h08
